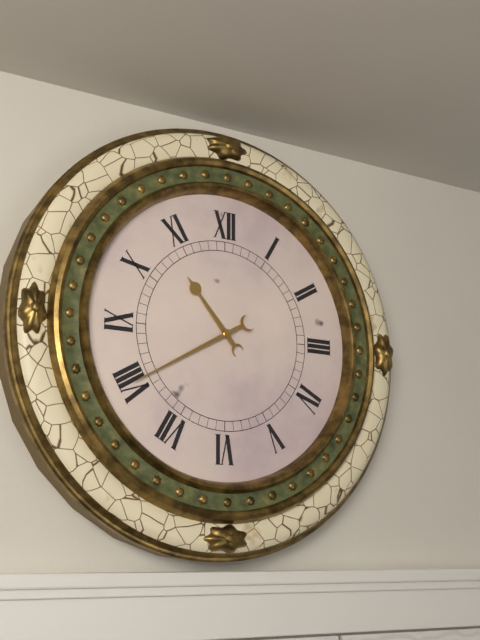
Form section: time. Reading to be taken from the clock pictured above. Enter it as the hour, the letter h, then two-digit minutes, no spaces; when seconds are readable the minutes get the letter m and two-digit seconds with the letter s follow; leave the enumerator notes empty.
10h40
